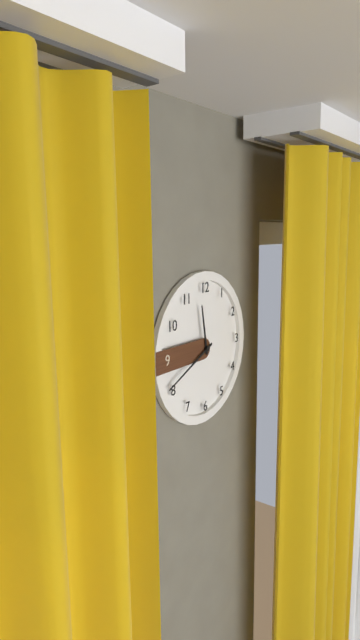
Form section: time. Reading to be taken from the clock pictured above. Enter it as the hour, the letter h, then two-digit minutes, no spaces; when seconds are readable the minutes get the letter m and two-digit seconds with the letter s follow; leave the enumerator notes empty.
11h41
